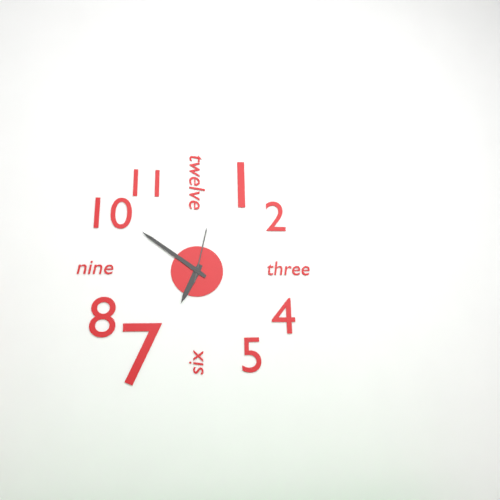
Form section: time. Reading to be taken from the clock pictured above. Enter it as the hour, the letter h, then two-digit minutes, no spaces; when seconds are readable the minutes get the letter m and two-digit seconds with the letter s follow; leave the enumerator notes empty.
6h51m02s
